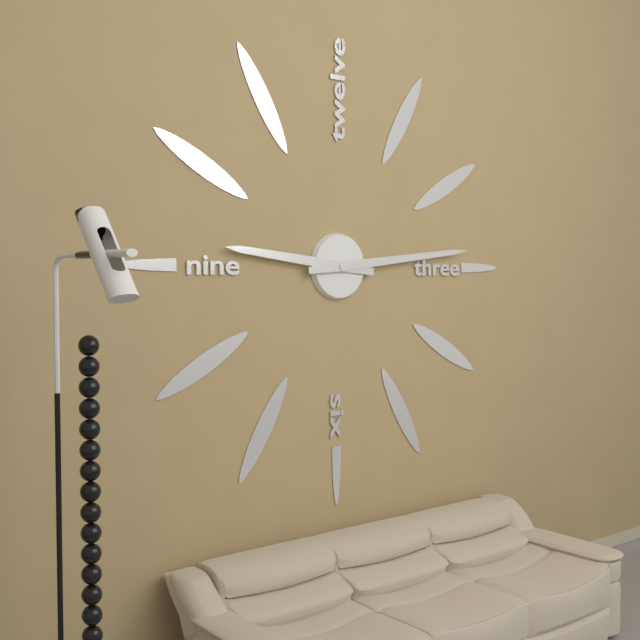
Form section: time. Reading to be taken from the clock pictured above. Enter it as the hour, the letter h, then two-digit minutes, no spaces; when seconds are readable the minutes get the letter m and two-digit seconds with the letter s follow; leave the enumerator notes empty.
9h14
